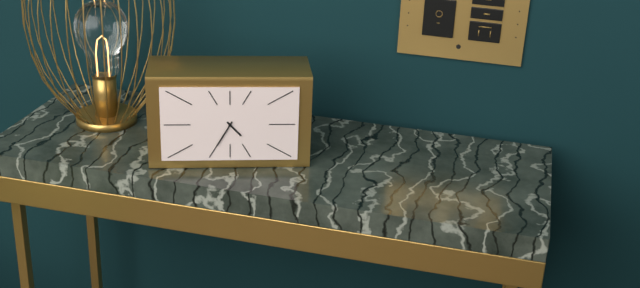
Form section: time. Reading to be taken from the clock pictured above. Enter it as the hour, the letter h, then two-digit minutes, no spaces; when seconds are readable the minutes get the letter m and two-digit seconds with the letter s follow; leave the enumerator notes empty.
4h35
